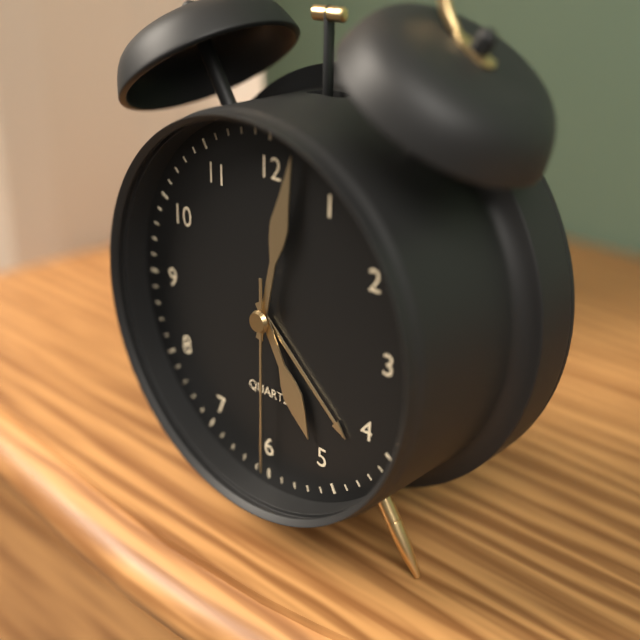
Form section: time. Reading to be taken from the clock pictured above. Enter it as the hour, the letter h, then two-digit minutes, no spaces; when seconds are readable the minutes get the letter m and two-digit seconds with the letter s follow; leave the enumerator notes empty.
5h02m30s
